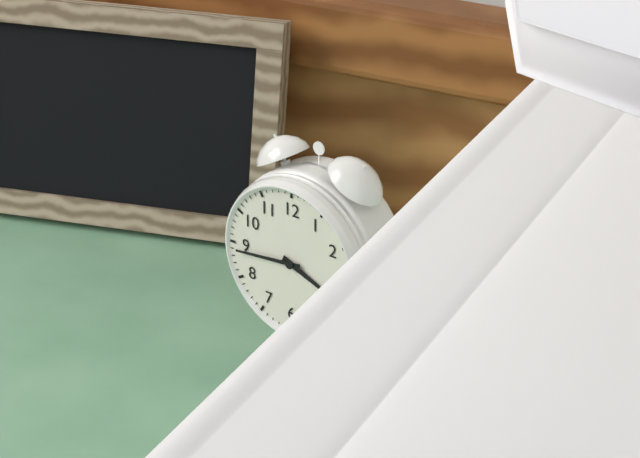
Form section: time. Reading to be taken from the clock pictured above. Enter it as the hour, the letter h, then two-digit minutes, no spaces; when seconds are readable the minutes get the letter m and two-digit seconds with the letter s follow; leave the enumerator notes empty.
3h44
